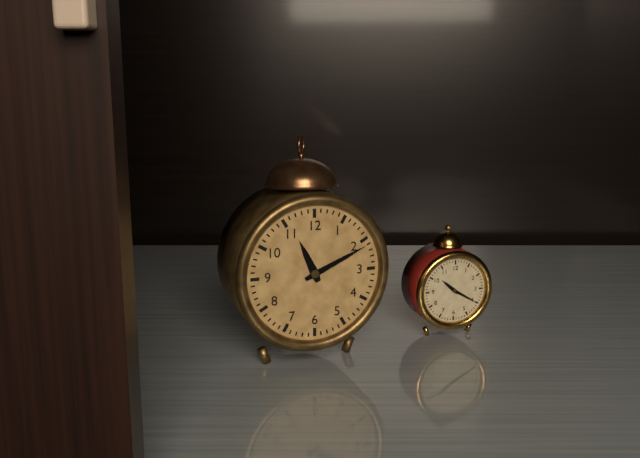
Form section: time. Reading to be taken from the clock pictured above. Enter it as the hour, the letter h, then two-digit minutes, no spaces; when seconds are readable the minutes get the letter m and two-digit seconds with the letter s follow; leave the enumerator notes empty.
11h11
